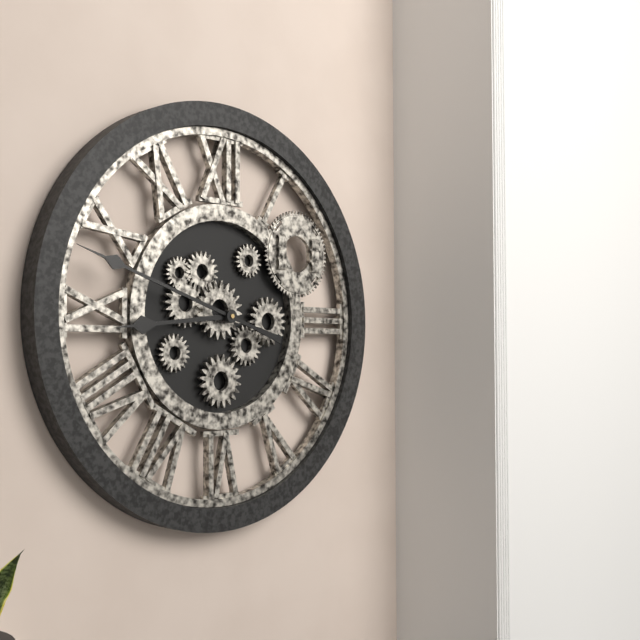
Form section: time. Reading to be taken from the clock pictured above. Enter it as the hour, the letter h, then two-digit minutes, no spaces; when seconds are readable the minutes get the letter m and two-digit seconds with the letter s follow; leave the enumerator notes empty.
8h48
